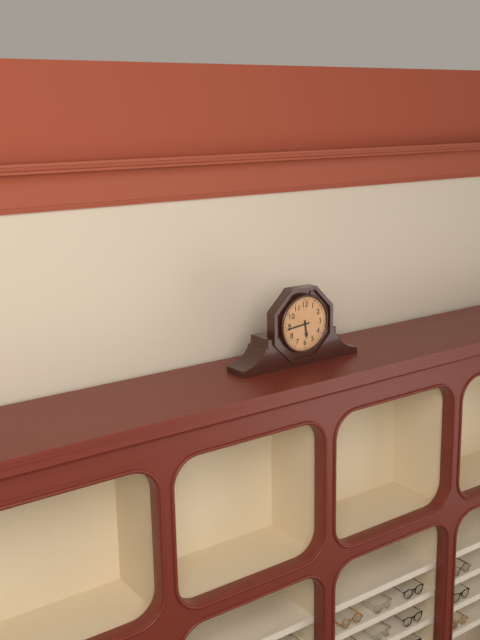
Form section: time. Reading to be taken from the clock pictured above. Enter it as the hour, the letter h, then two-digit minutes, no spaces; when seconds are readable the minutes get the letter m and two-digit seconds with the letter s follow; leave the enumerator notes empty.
5h44
